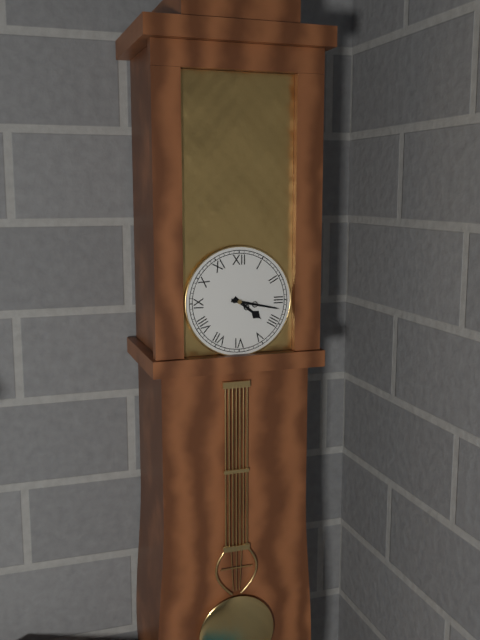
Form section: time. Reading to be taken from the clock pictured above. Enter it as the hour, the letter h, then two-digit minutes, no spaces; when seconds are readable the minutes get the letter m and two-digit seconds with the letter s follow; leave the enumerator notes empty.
4h17
